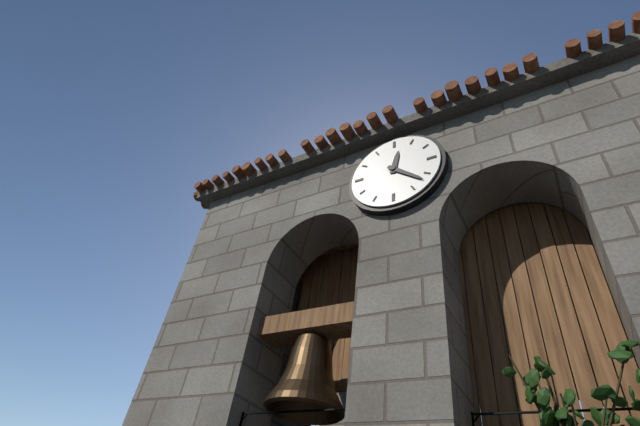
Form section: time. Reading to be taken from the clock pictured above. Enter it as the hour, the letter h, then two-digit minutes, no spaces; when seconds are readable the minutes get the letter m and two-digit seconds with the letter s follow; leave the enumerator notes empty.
12h22
